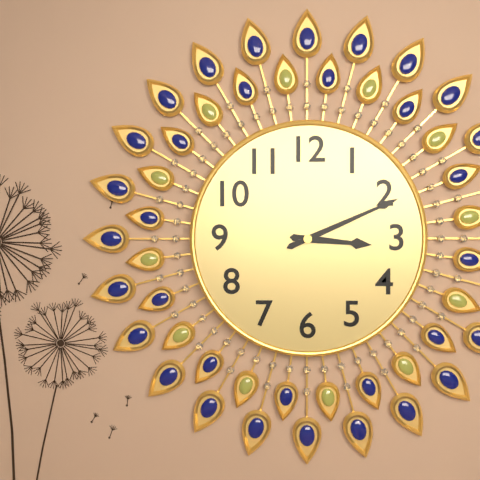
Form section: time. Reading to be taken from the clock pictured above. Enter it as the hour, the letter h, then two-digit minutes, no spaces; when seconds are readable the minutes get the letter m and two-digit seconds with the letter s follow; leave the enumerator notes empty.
3h11
